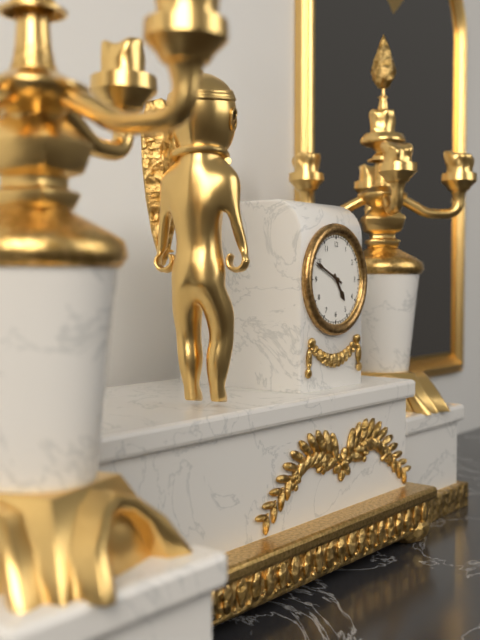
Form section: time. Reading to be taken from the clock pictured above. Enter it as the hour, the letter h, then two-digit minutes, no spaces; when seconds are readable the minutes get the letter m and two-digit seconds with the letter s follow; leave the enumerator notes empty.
4h49
